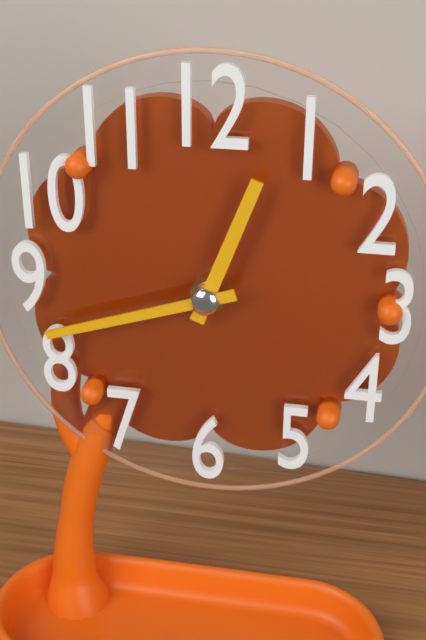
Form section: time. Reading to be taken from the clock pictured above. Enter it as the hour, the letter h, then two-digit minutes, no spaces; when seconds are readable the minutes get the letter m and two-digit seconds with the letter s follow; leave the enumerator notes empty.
12h42
